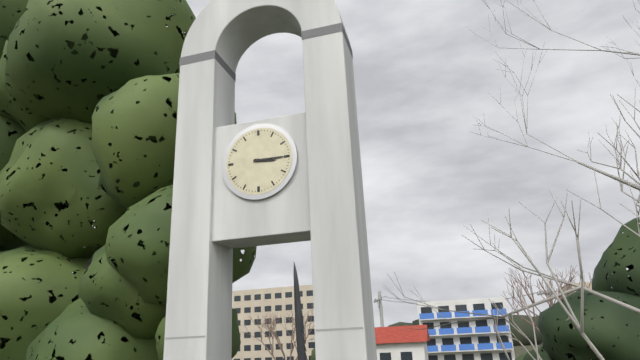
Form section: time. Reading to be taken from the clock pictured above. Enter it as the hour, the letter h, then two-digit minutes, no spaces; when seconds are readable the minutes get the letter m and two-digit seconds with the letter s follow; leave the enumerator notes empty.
3h15
